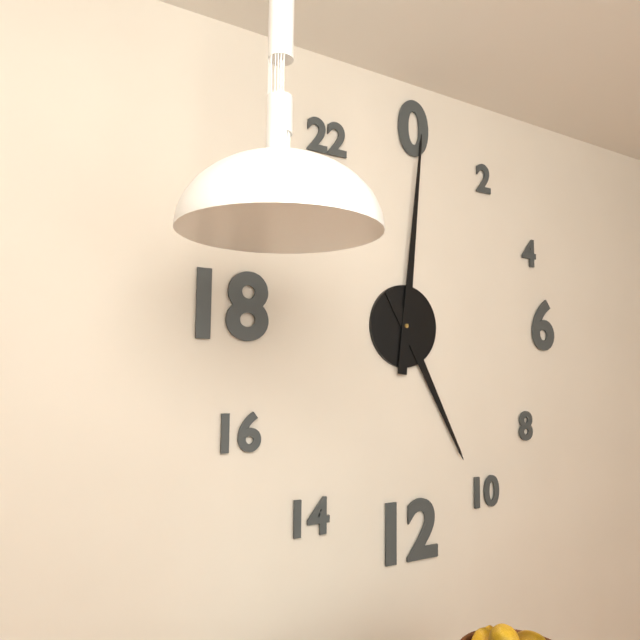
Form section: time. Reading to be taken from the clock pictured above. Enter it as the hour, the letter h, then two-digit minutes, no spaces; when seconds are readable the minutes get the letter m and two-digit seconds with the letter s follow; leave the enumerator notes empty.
5h01
